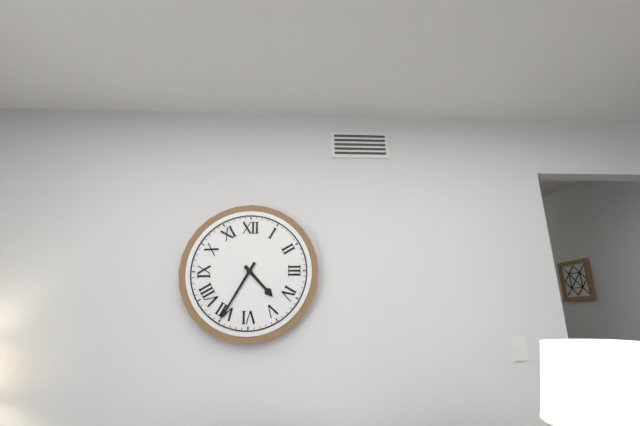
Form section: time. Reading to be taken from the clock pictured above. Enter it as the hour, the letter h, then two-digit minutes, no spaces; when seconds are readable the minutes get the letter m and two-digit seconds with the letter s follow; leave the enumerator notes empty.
4h35
